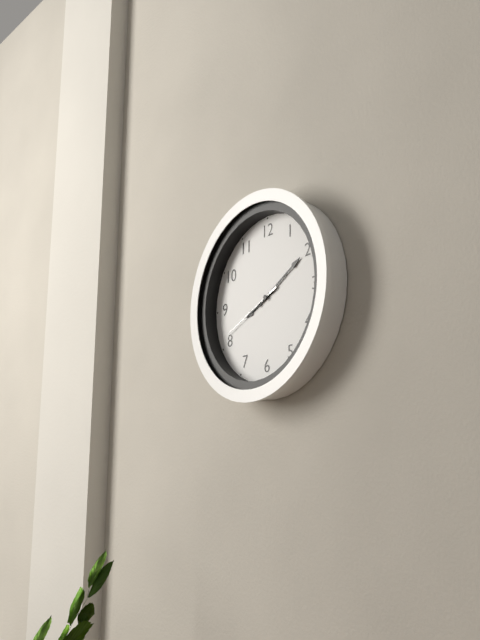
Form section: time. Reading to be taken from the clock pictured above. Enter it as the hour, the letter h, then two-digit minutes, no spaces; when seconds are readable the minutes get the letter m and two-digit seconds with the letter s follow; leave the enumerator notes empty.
8h10m41s
